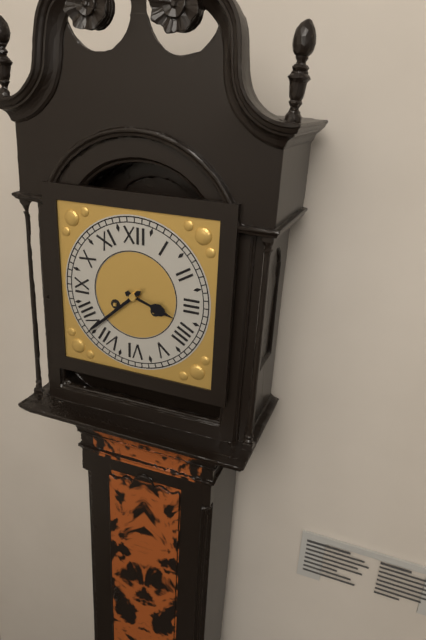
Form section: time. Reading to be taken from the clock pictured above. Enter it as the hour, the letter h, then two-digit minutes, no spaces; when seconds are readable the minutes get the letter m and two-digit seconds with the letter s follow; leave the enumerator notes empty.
3h38
